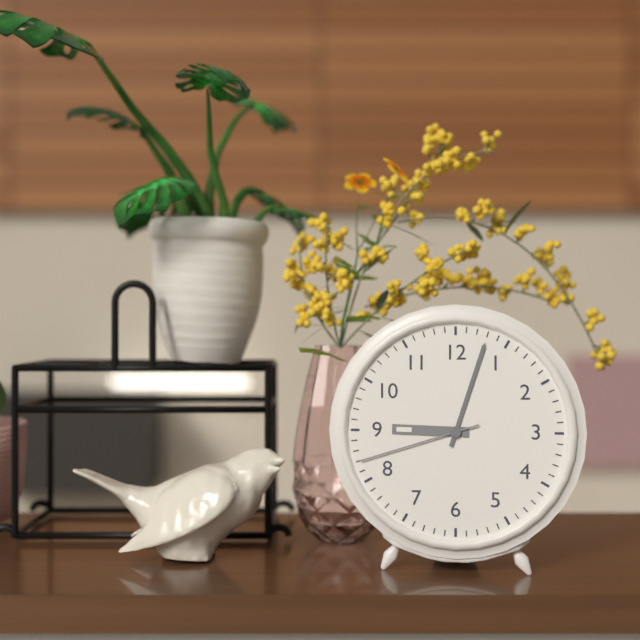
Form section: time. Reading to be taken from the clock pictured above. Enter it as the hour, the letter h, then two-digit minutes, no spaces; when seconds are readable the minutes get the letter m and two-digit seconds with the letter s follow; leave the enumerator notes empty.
9h03m42s
